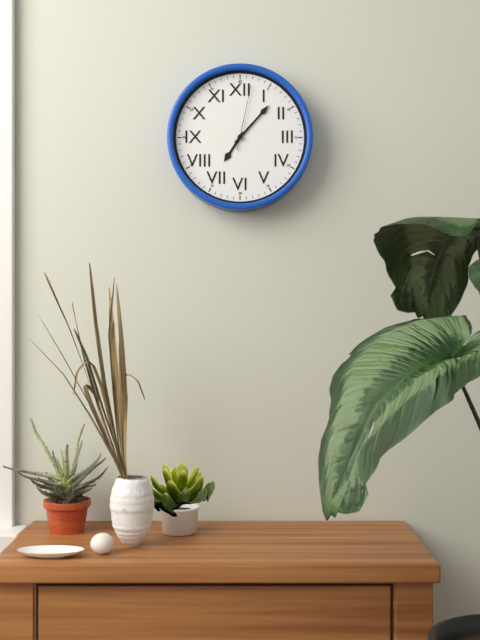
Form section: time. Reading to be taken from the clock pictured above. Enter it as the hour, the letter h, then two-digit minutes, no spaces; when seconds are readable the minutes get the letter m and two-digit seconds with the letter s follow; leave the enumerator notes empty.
7h07m02s
